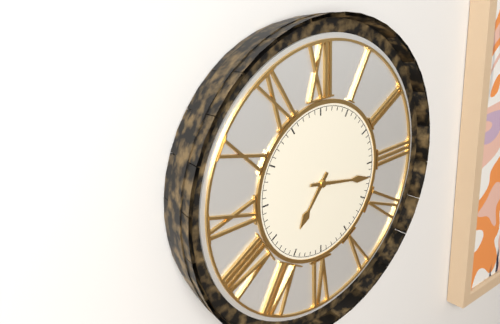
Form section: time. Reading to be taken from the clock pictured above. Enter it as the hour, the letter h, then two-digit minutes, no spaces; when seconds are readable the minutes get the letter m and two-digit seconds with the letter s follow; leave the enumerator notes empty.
7h17
